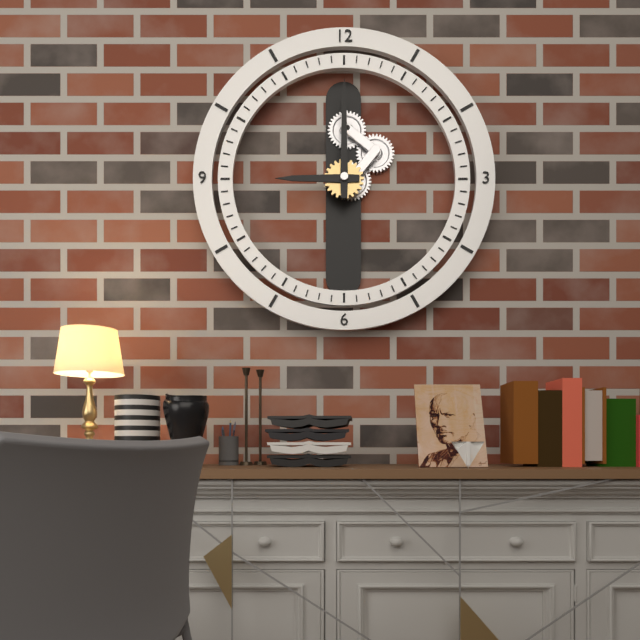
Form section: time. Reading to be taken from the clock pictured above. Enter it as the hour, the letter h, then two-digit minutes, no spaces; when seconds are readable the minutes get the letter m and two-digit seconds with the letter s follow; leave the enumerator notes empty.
9h00
